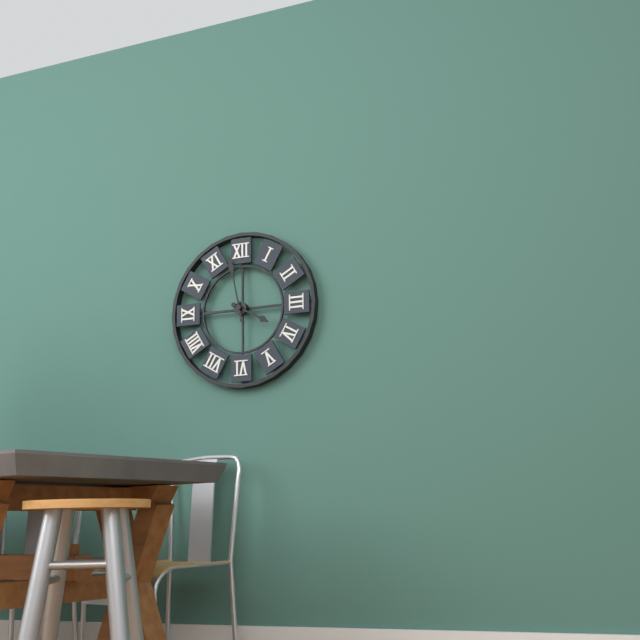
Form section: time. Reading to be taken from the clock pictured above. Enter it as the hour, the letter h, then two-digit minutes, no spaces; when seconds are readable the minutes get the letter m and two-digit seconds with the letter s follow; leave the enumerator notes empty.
3h58
